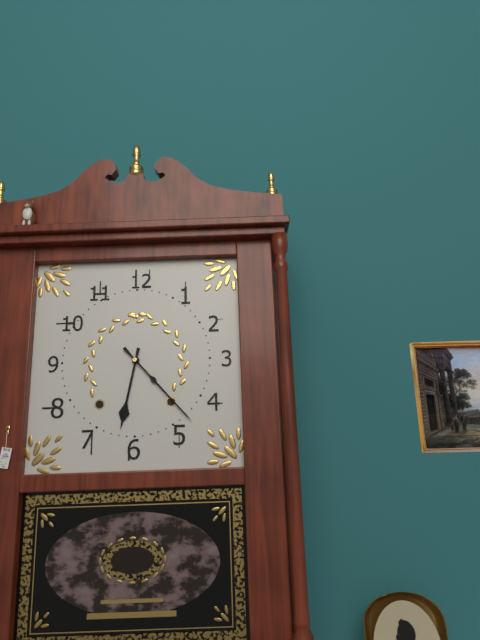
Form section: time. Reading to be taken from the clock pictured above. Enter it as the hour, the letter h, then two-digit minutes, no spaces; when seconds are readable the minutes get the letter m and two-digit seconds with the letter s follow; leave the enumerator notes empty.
6h23
